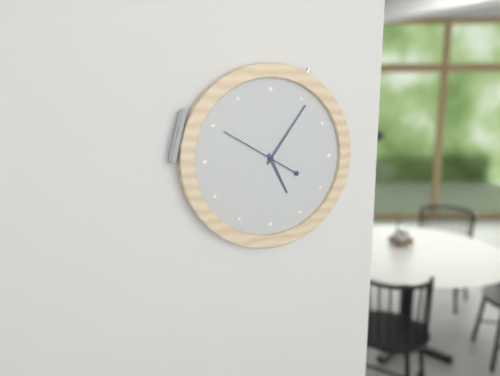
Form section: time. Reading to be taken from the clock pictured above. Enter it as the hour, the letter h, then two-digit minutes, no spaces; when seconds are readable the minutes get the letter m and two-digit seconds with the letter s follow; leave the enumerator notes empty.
5h06m50s
